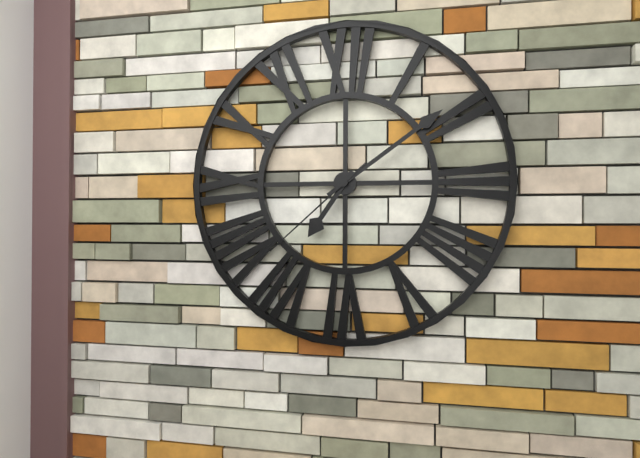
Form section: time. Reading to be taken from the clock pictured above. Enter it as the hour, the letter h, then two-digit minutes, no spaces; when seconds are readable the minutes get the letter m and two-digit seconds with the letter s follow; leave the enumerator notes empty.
7h09m38s
